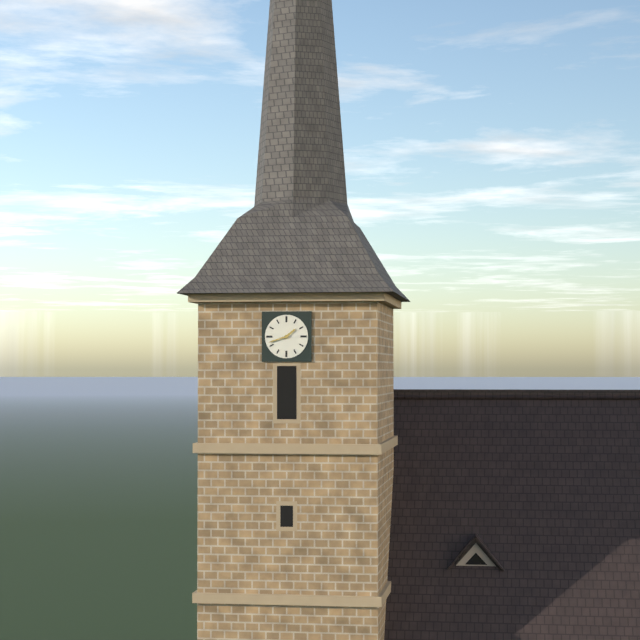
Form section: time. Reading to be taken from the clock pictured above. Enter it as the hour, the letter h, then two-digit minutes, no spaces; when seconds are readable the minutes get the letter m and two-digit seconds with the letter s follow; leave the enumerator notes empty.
1h42
